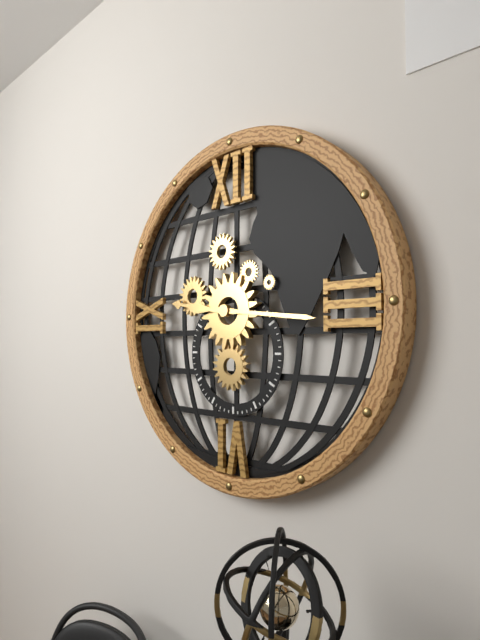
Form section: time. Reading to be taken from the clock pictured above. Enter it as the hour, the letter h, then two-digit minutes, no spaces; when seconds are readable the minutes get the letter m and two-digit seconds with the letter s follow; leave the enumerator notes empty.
9h16
